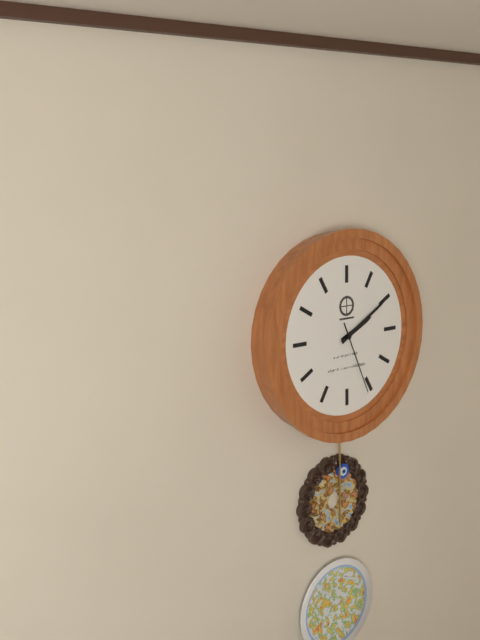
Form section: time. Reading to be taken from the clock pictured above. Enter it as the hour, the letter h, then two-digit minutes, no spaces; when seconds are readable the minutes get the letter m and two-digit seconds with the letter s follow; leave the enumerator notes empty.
2h10m26s
